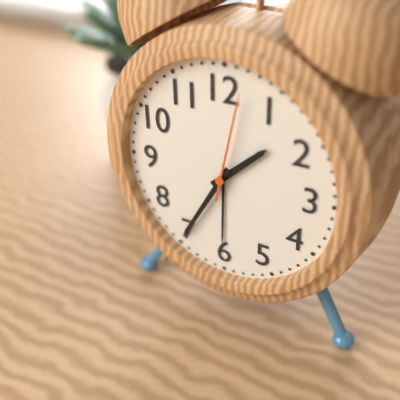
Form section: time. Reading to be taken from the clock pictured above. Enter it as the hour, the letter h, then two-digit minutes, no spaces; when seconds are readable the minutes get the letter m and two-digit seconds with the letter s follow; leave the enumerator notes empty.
1h35m02s
